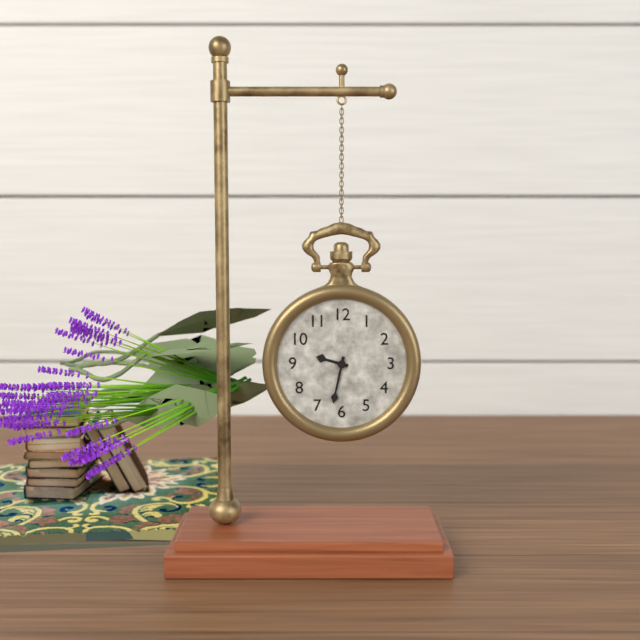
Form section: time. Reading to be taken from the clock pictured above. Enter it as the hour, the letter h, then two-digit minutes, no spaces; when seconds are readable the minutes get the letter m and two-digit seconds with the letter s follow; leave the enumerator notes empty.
9h32
